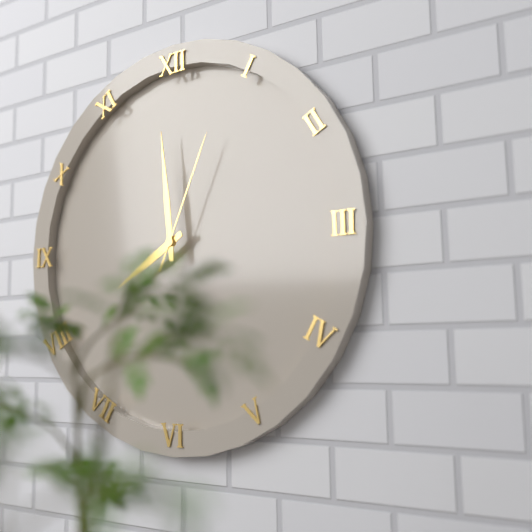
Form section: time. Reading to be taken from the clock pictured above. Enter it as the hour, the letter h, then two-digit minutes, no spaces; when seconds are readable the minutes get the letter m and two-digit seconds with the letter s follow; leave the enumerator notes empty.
7h59m04s
